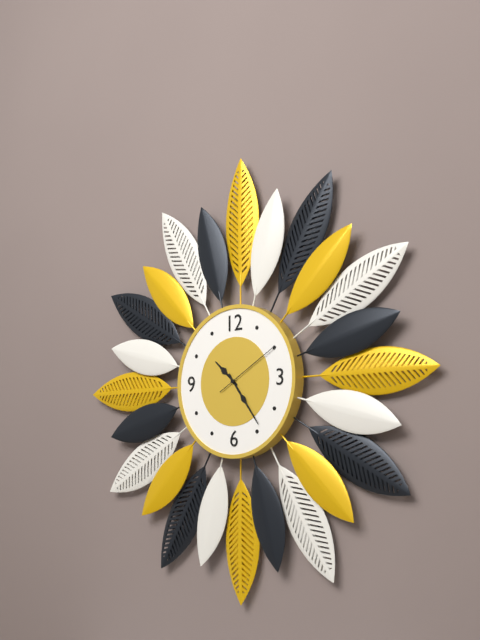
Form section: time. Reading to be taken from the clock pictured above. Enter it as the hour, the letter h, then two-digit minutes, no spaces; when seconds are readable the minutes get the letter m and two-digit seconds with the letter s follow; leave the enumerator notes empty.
10h24m10s
